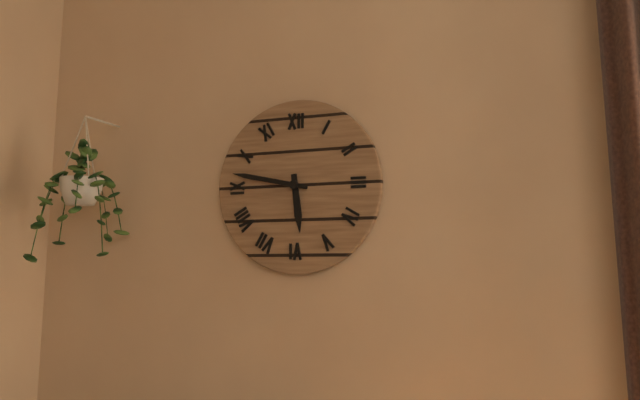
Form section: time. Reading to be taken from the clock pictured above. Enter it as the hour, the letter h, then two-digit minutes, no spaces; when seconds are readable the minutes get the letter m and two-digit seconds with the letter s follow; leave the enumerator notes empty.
5h47
